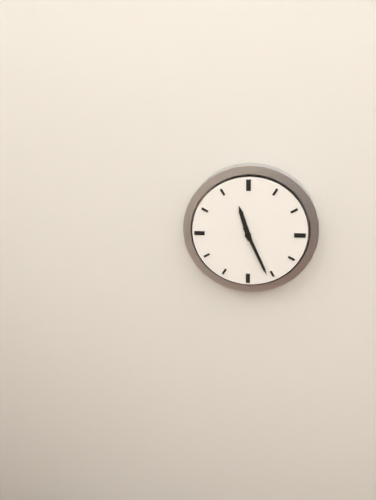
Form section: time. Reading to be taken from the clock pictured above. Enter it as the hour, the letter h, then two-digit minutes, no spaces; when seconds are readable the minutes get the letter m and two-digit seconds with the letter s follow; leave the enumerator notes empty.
11h26
